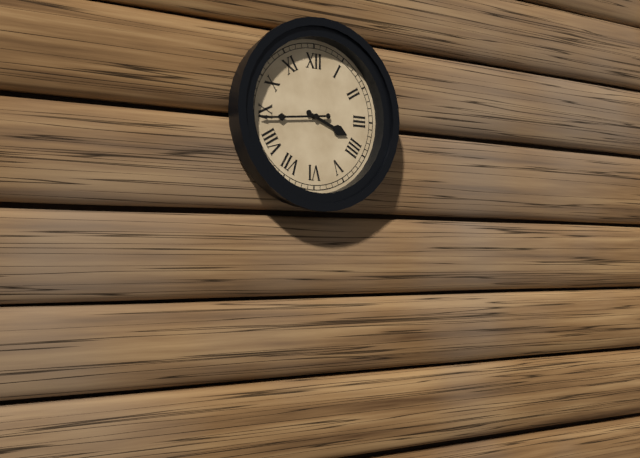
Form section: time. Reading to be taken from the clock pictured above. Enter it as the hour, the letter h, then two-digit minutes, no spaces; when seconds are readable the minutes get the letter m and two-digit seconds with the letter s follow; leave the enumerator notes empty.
3h44
